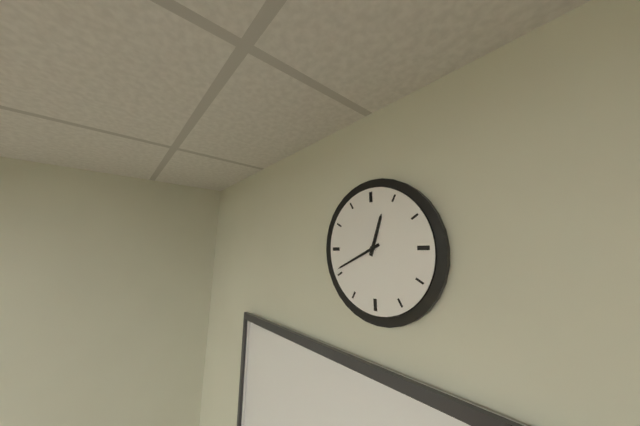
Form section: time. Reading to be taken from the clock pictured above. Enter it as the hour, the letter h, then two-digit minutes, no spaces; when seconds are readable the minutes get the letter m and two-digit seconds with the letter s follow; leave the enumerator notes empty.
12h41
